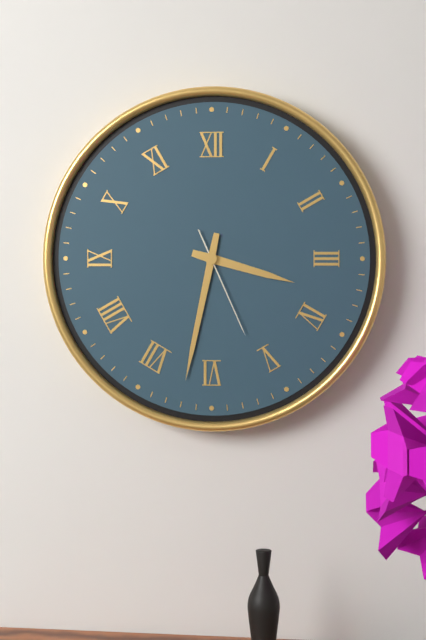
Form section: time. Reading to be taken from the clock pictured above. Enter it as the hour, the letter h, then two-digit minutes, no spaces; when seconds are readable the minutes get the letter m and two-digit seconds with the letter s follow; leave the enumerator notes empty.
3h32m26s
